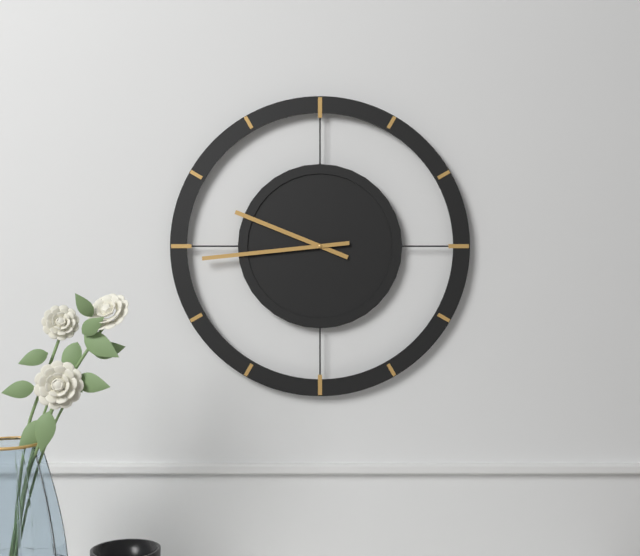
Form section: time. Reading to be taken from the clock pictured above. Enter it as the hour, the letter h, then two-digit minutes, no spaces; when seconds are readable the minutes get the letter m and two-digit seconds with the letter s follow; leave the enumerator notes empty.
9h44
